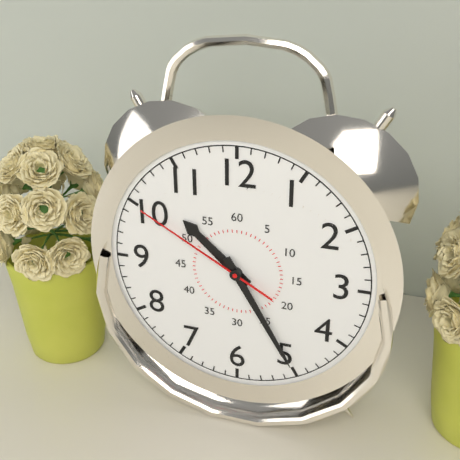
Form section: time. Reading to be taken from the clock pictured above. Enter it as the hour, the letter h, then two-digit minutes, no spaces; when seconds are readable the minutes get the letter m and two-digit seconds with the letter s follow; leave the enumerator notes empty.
10h25m50s
